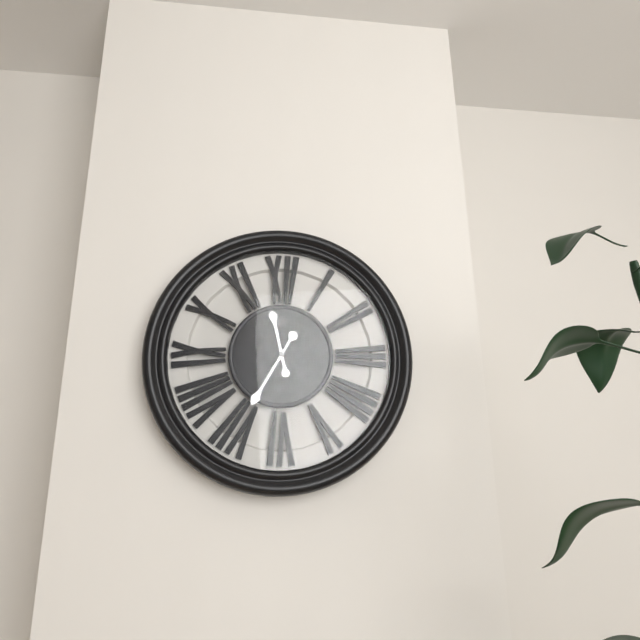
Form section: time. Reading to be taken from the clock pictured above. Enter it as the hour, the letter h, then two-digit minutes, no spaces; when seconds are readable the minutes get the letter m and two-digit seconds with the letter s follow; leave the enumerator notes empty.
11h35
